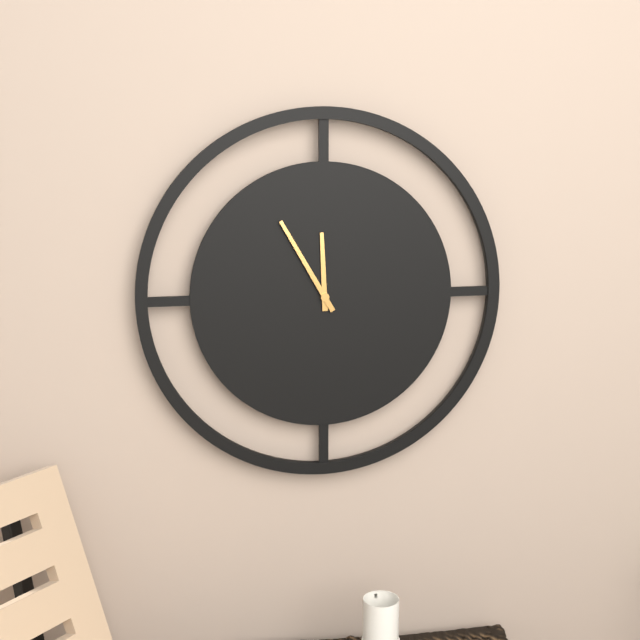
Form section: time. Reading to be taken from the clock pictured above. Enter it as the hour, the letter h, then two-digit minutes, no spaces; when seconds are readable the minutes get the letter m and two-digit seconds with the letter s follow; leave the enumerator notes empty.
11h55
